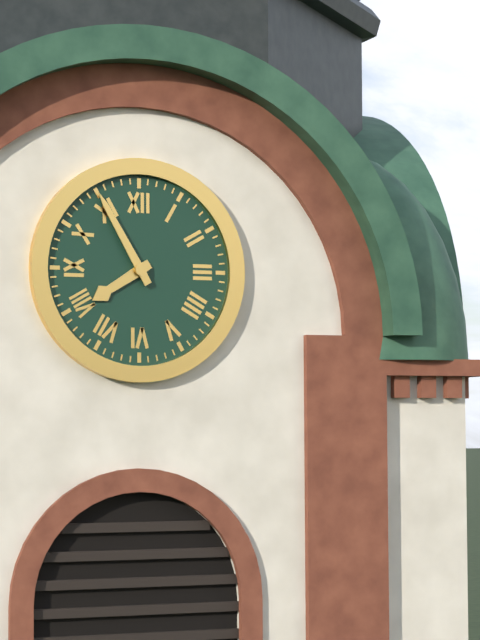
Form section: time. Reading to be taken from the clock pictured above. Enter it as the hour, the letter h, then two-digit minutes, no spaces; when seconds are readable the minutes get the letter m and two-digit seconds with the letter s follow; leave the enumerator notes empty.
7h55
